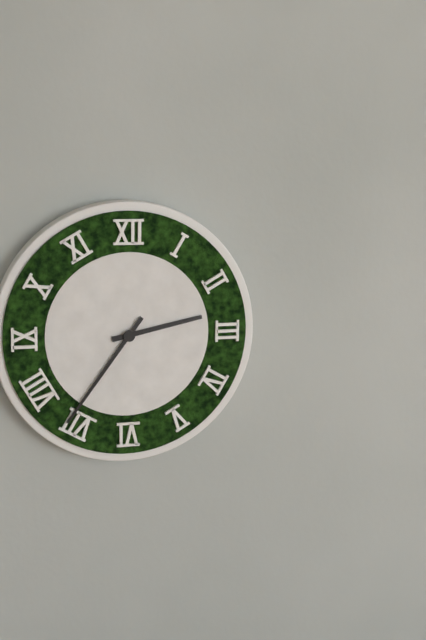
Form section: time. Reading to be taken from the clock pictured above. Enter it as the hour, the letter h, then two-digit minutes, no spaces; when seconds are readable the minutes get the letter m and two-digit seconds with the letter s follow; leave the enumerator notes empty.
2h36
